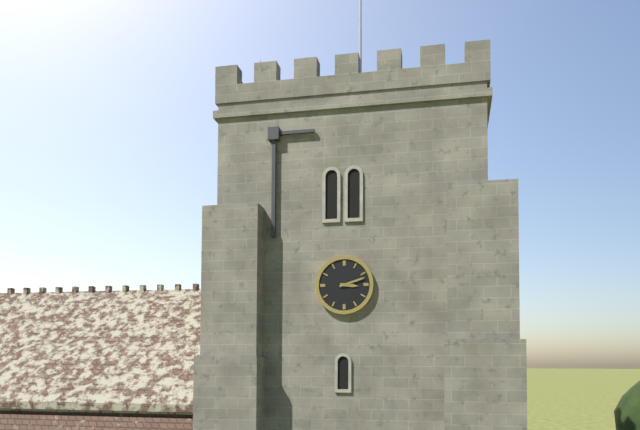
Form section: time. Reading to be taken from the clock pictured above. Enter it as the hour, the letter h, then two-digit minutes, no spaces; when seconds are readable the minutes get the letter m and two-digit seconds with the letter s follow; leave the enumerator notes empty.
3h12
